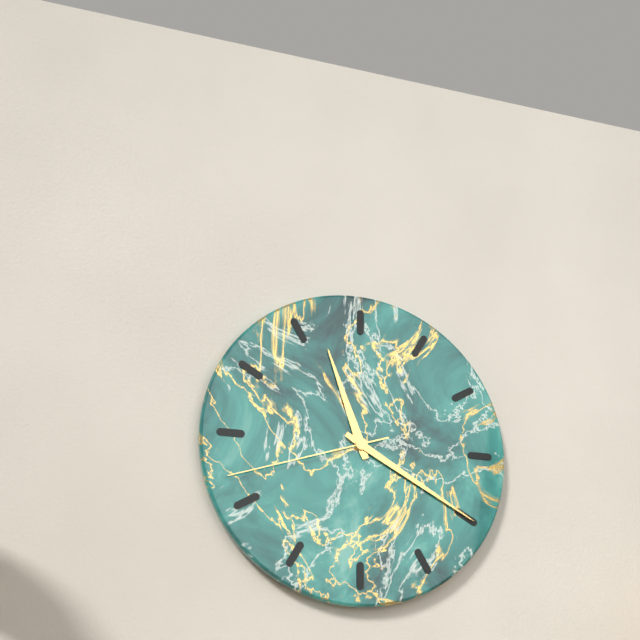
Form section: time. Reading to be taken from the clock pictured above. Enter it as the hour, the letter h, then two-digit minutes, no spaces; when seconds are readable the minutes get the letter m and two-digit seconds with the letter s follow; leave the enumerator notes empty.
11h20m42s
